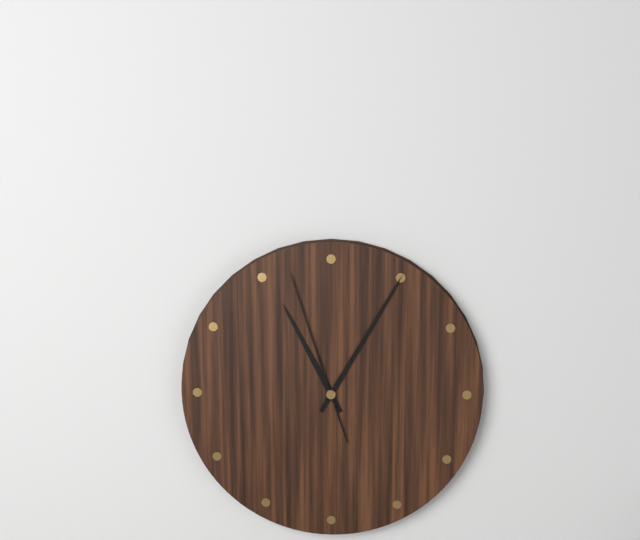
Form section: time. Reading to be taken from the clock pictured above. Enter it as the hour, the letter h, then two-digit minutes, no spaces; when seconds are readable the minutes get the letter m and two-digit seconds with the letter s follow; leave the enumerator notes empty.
11h05m57s
